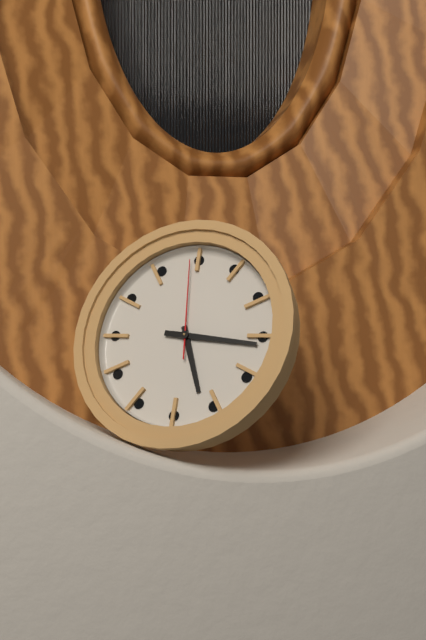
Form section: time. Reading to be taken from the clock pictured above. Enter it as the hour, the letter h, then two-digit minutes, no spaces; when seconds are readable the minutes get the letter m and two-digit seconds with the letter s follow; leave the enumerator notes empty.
5h16m59s
